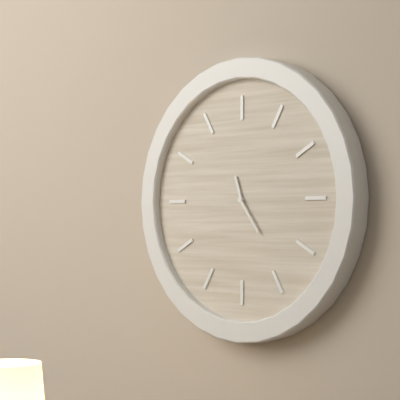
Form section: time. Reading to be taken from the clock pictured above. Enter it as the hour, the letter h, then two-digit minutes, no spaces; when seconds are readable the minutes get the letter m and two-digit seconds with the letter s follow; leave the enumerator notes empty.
11h24
